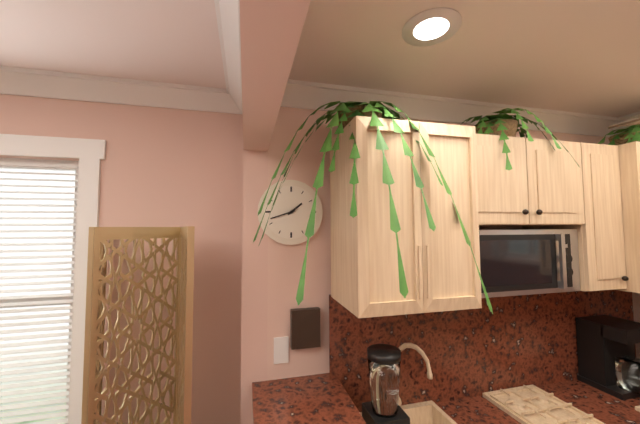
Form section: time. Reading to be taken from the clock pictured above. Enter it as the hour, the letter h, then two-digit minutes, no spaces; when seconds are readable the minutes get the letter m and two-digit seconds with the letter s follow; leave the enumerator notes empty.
1h42
